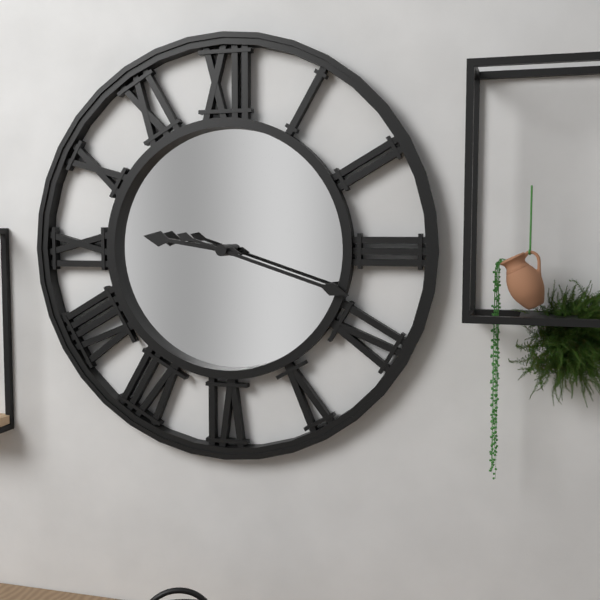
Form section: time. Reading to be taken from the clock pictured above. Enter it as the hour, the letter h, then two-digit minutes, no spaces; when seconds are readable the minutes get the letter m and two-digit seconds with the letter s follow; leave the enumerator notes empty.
9h18
